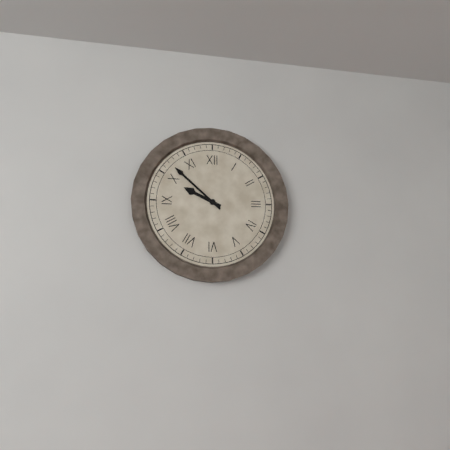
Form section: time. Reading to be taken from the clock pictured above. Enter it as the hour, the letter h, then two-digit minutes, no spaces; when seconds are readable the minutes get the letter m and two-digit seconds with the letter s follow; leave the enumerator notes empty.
9h52
